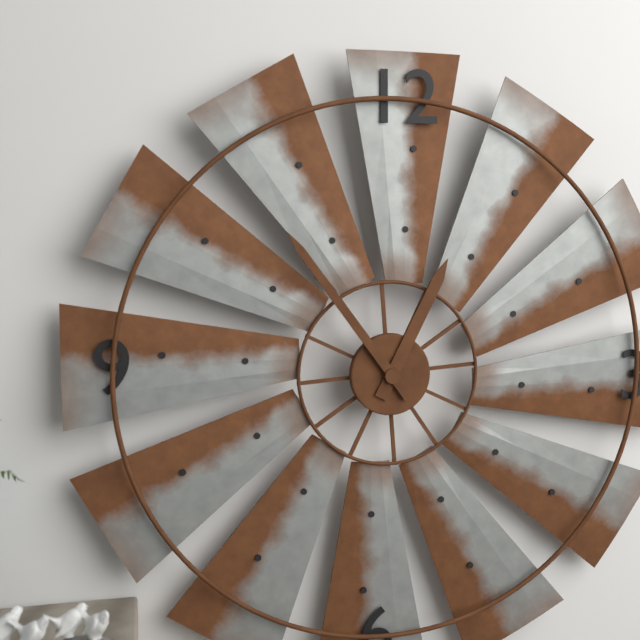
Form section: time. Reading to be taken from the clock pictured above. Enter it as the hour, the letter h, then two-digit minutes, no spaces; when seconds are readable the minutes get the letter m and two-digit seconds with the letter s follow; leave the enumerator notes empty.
12h54
